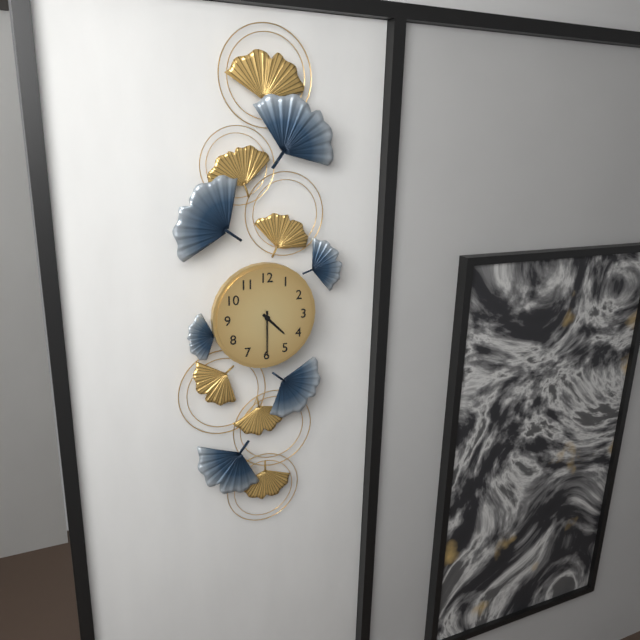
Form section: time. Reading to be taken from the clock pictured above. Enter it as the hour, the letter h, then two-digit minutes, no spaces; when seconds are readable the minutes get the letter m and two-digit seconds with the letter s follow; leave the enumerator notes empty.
4h30
